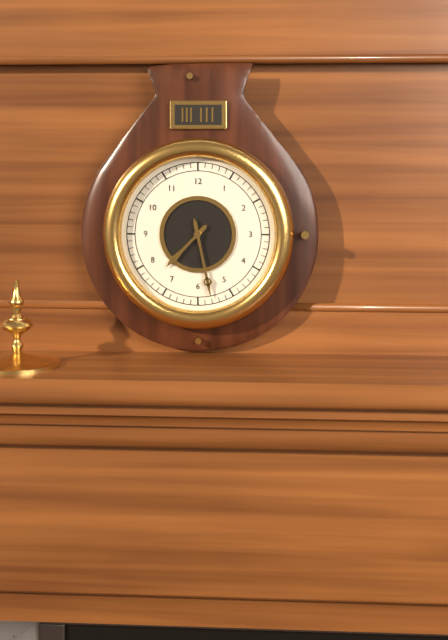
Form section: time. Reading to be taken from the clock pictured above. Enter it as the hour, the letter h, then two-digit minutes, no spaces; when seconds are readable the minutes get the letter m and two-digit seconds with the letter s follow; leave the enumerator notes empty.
7h28
